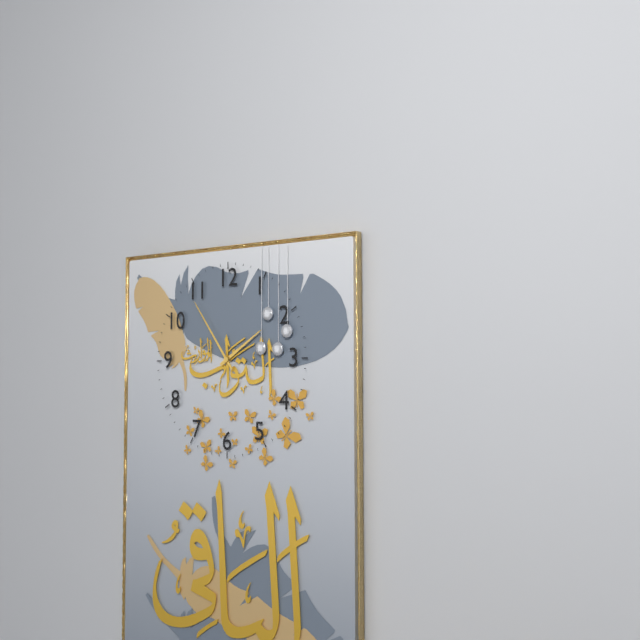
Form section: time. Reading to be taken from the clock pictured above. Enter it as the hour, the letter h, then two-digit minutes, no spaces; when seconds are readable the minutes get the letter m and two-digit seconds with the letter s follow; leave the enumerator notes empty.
1h54
